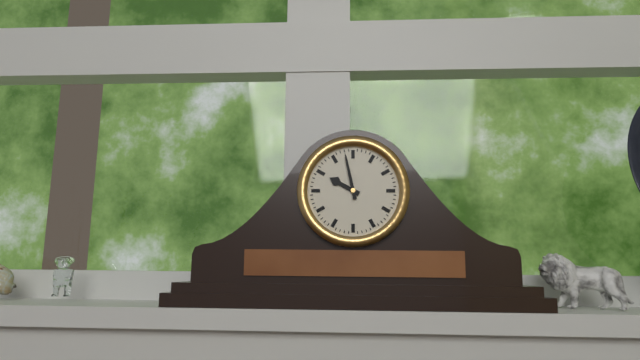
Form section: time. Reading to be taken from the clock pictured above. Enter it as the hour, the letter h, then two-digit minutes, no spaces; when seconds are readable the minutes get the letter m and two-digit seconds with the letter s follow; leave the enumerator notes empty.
9h58
